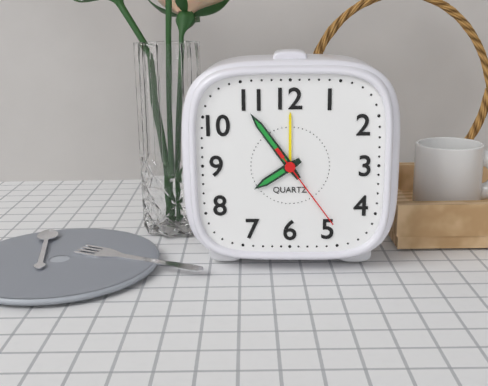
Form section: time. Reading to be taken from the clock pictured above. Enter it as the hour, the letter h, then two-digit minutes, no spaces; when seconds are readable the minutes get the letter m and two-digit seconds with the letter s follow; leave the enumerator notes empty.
7h54m24s
